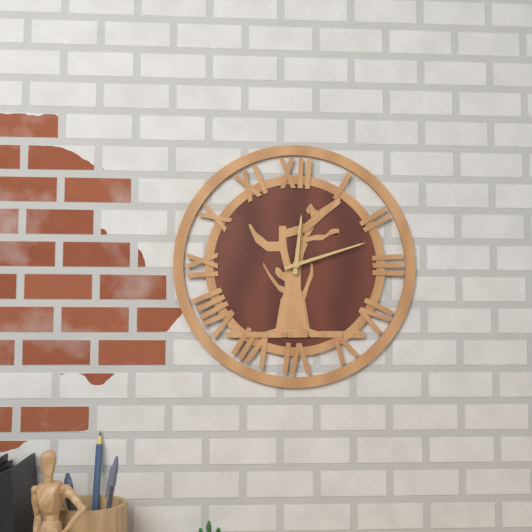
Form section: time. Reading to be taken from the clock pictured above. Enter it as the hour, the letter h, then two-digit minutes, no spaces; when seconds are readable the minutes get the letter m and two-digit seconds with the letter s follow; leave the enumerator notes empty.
12h12
